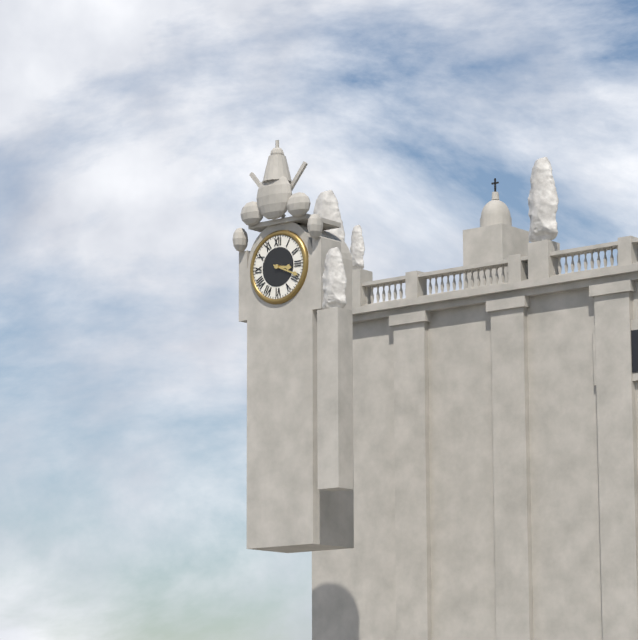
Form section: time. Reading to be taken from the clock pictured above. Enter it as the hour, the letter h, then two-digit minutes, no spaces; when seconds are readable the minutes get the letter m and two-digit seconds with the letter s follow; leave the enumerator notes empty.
3h19
